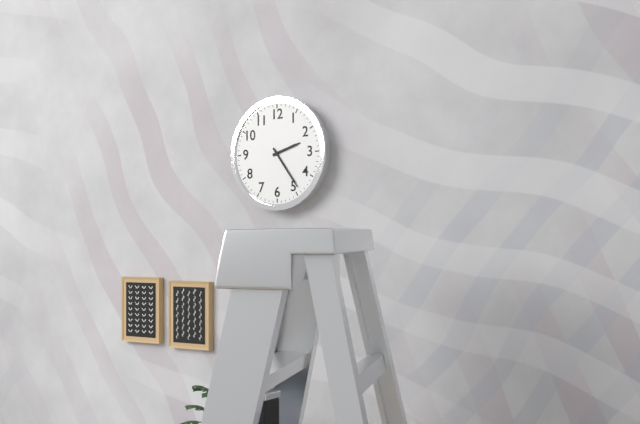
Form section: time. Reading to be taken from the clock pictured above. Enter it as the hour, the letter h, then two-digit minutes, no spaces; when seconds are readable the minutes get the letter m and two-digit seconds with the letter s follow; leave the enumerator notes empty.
2h24
